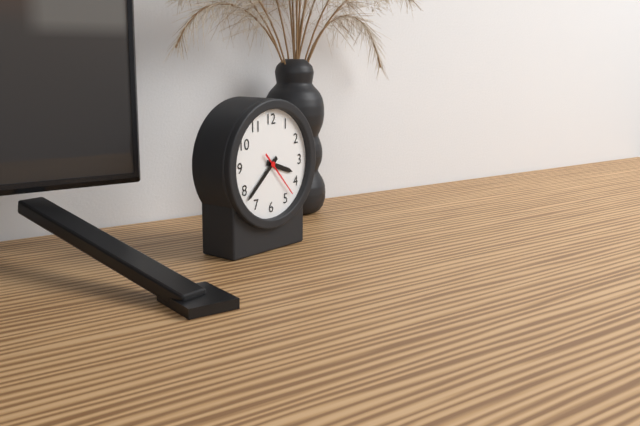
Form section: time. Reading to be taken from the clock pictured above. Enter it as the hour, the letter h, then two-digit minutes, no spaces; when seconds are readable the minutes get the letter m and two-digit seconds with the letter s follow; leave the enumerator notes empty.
3h38
